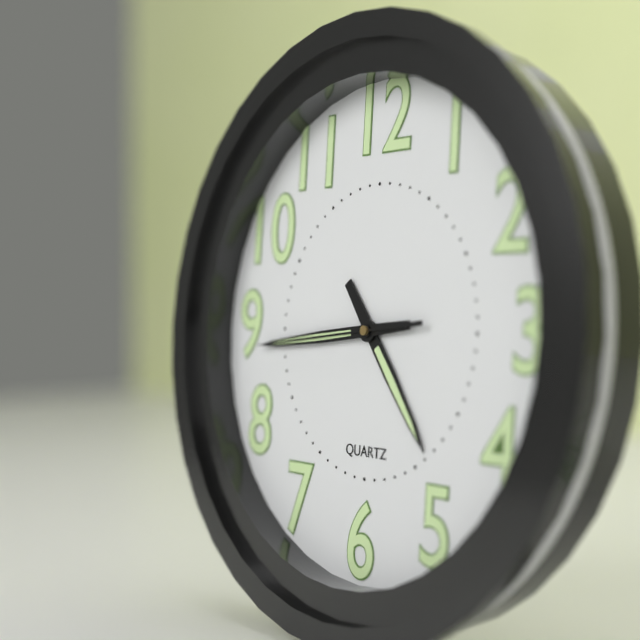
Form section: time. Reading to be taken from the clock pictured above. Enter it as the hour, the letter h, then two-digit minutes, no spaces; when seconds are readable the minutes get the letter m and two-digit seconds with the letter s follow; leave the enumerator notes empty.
4h44m44s
